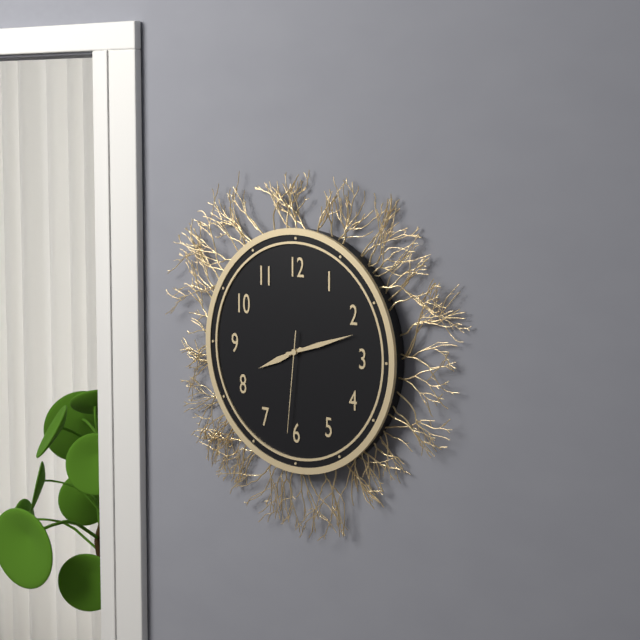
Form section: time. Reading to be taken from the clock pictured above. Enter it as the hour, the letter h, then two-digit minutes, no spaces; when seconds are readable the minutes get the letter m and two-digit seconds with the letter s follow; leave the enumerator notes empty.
8h12m31s
